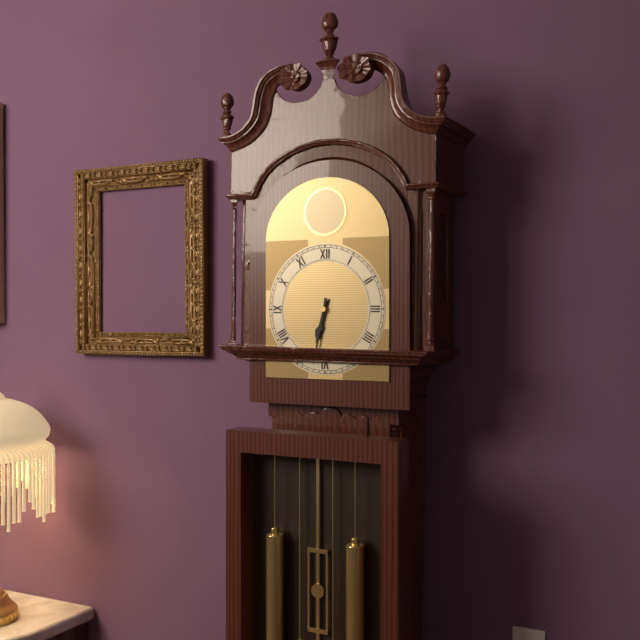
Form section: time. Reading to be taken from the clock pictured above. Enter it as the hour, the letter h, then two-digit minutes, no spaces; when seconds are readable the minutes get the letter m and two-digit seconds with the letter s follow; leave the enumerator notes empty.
6h32
